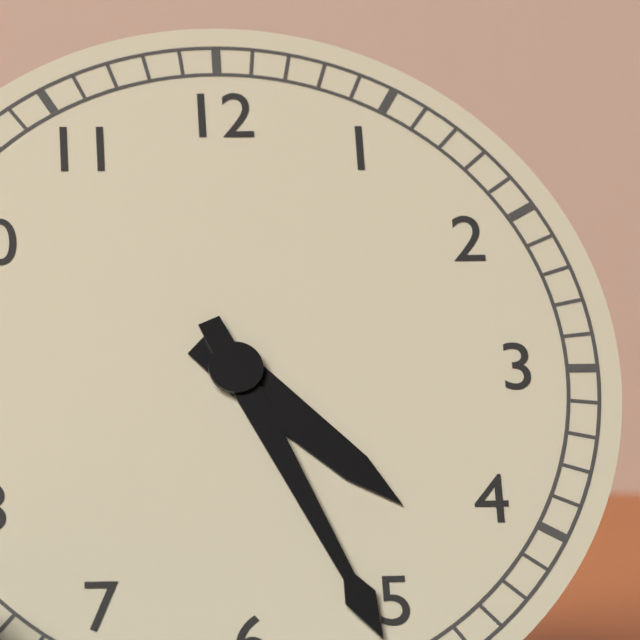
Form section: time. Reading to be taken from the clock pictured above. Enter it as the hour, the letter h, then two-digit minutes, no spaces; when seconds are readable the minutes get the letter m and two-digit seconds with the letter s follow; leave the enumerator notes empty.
4h26
